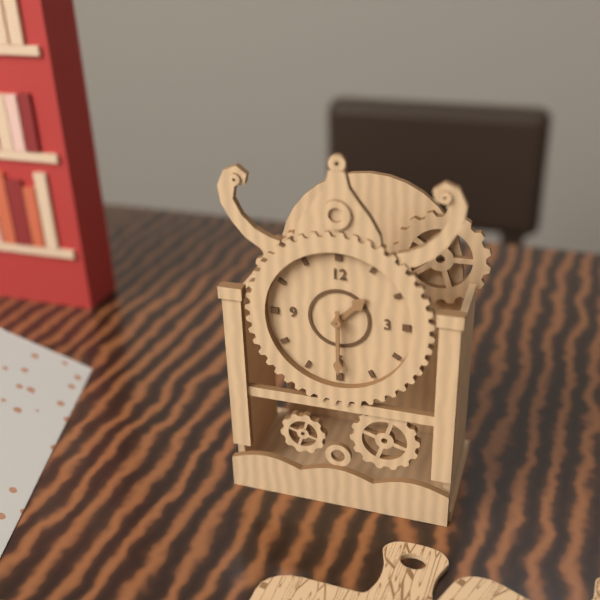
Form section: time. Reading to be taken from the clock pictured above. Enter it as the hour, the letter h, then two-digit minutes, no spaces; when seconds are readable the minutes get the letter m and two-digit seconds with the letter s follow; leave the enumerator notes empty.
1h30
